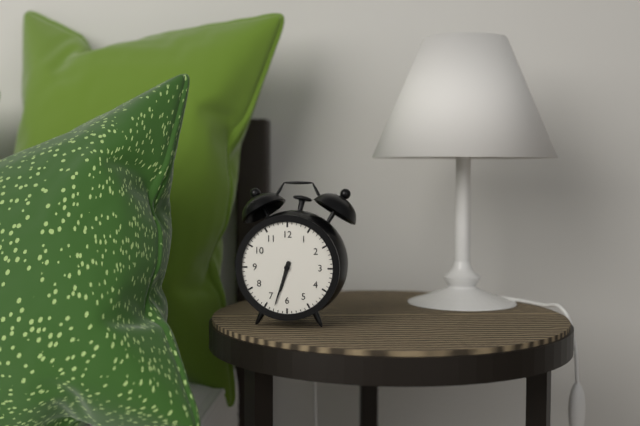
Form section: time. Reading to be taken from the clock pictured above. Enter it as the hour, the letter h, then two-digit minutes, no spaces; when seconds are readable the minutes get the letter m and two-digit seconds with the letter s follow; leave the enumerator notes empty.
6h33
